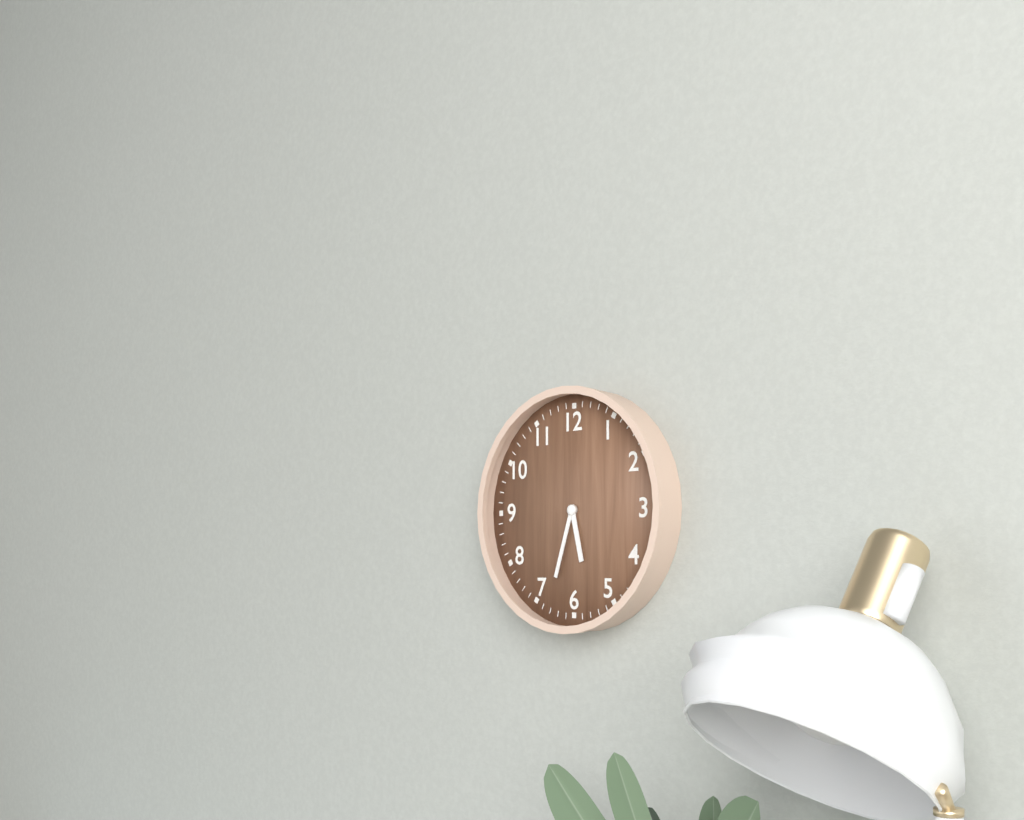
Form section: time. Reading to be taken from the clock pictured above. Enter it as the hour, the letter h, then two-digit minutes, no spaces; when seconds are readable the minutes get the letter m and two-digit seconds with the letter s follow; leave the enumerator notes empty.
5h33
